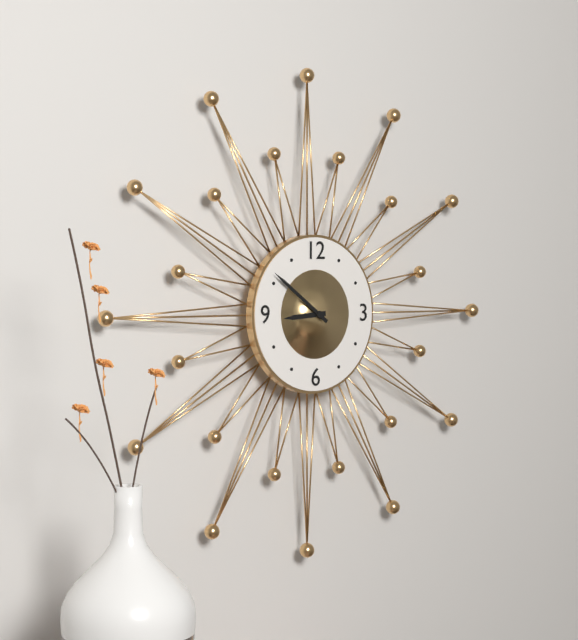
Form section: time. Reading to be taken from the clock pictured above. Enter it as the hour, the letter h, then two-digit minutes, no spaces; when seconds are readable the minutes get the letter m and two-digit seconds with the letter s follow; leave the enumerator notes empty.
8h51
